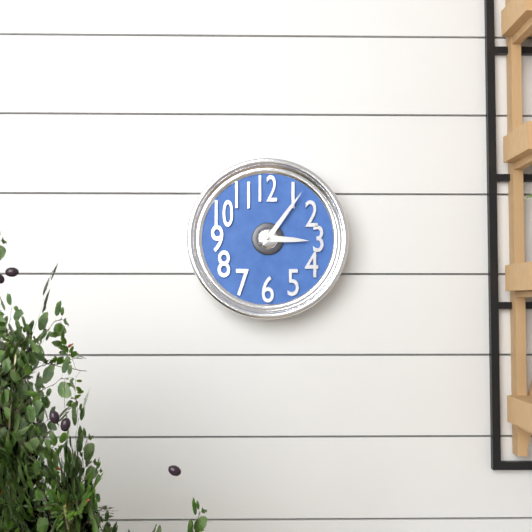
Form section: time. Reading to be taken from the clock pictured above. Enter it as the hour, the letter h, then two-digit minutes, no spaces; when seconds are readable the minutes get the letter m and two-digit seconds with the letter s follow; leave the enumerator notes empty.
3h06
